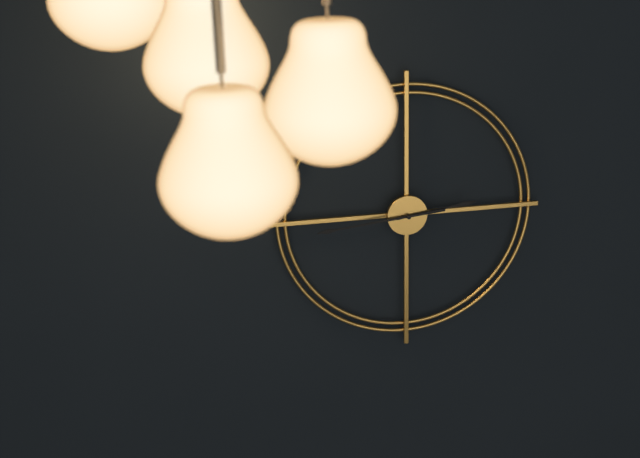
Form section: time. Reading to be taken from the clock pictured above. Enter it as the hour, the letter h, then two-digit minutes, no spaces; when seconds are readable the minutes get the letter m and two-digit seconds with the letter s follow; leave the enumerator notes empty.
2h44
